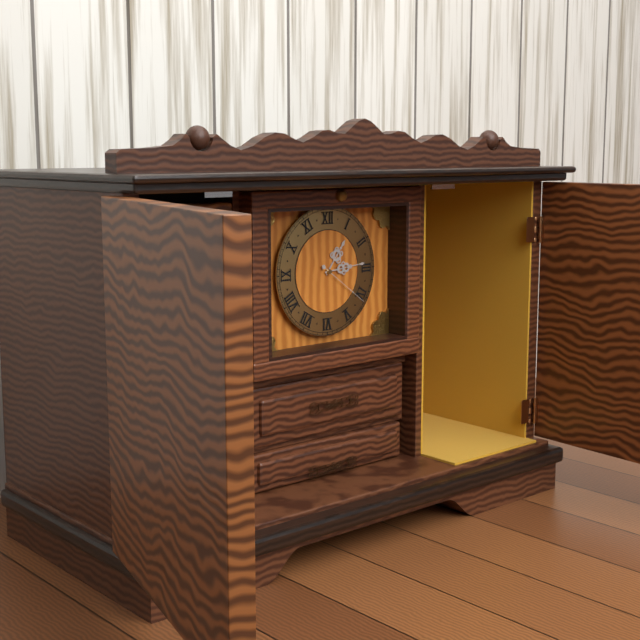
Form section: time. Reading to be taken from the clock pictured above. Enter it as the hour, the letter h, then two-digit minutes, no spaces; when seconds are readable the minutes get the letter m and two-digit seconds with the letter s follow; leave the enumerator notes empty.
1h14m21s
